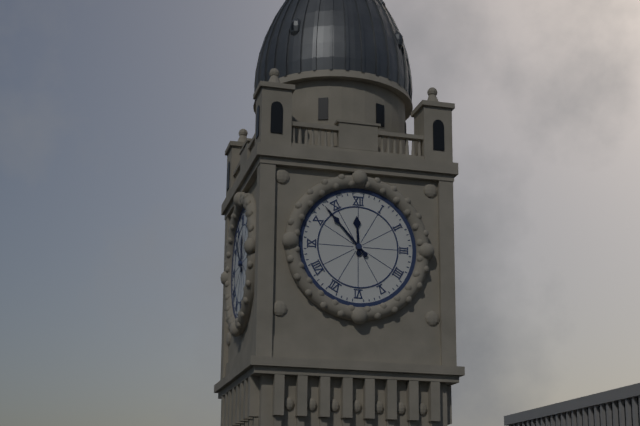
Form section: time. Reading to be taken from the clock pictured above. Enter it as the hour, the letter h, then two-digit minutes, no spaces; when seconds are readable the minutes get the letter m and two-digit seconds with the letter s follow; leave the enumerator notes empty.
11h53
